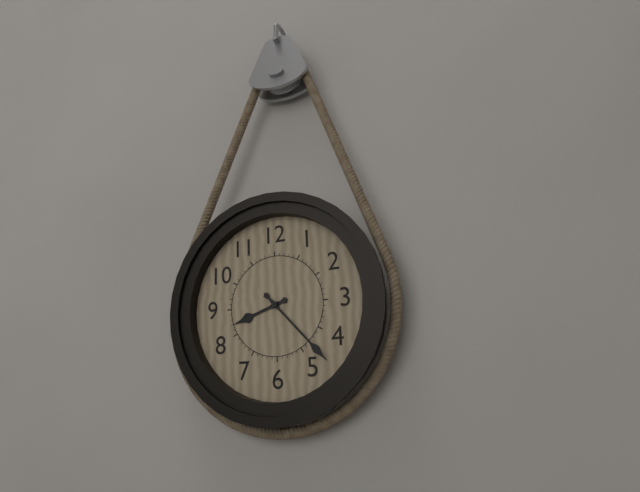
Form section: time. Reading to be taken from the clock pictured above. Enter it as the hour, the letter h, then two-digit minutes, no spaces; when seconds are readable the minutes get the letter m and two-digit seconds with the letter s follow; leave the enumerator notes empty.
8h23
